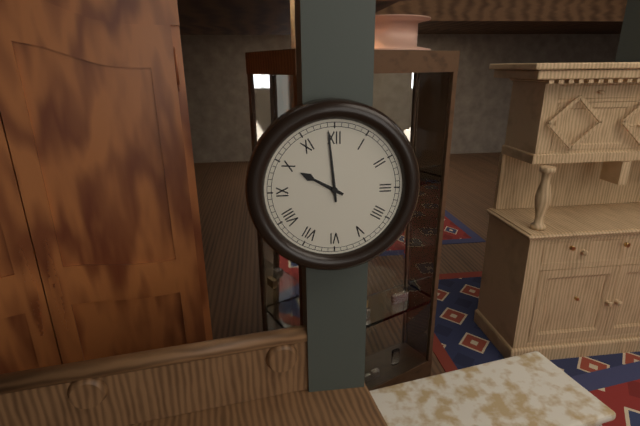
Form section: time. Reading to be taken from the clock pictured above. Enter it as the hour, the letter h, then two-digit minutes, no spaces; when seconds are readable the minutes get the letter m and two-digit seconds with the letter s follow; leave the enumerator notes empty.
9h59
